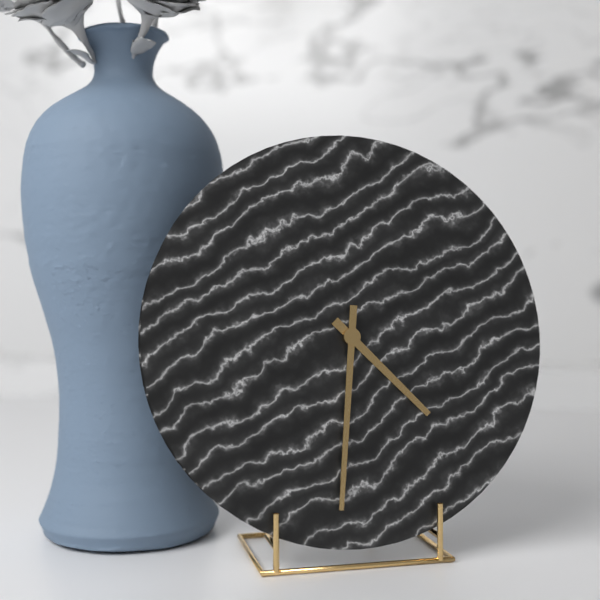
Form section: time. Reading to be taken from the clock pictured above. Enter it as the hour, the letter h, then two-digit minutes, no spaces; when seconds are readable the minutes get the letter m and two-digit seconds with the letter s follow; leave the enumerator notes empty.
4h31
